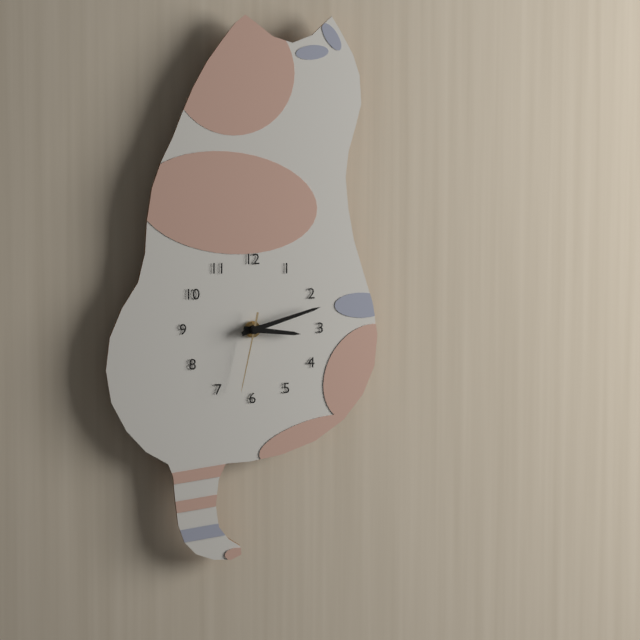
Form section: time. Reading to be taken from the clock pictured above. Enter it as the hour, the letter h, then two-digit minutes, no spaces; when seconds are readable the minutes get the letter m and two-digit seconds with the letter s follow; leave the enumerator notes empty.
3h12m32s
